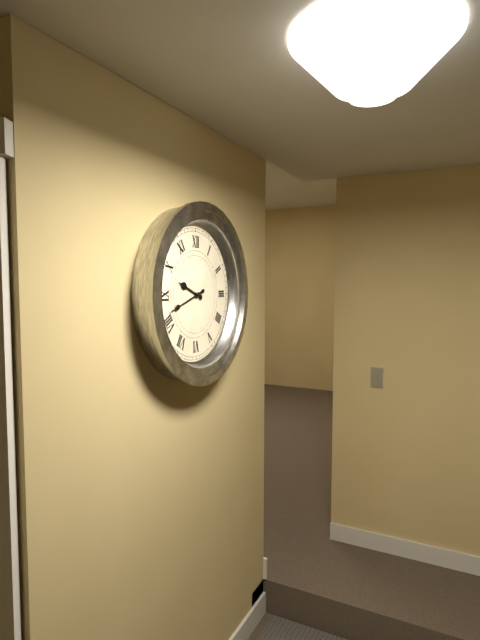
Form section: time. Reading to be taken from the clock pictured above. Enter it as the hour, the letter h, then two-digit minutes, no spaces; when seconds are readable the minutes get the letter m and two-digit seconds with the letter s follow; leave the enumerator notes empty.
9h42
